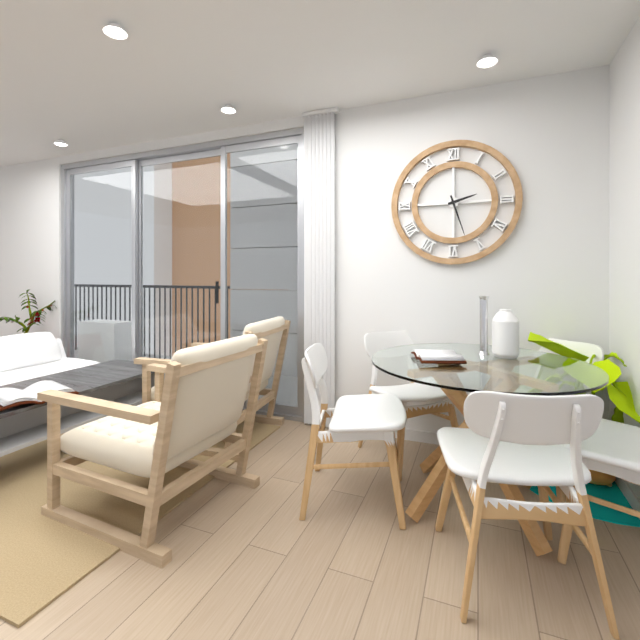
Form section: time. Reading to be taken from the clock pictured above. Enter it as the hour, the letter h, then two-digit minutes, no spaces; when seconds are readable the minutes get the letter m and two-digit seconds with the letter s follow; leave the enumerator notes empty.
2h27
